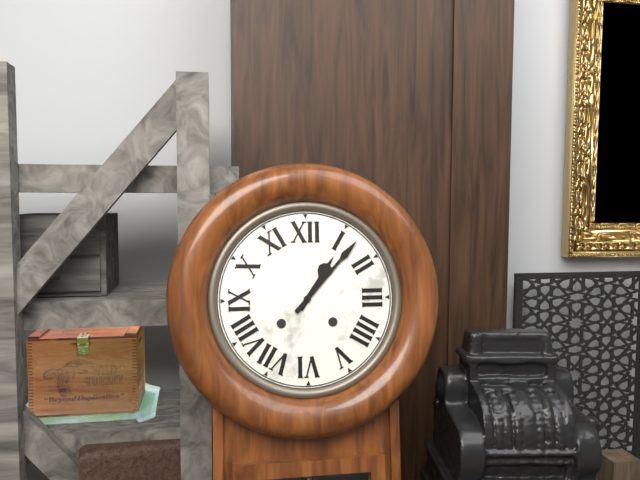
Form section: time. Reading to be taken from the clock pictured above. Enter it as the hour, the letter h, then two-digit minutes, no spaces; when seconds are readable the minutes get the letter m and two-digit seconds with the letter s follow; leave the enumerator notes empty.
1h07
